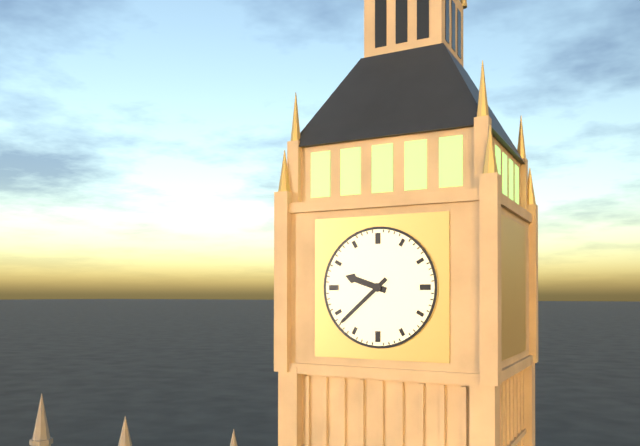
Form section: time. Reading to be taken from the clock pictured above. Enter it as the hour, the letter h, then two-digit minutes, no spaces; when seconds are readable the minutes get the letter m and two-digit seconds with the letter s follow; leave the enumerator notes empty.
9h38
